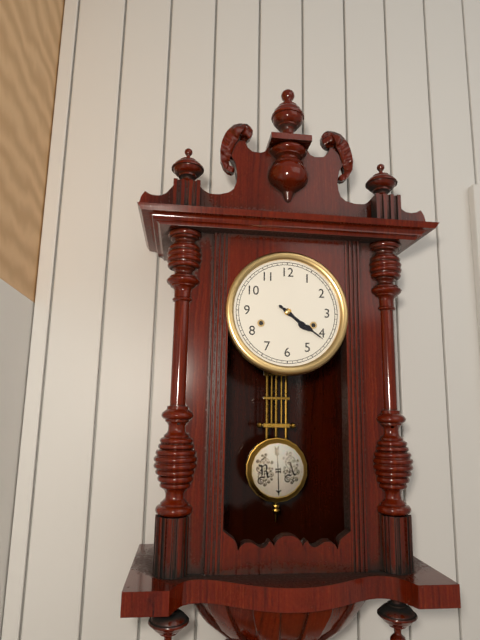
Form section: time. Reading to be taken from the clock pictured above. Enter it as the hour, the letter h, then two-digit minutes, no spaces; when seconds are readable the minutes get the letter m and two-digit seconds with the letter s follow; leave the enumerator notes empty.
4h21
